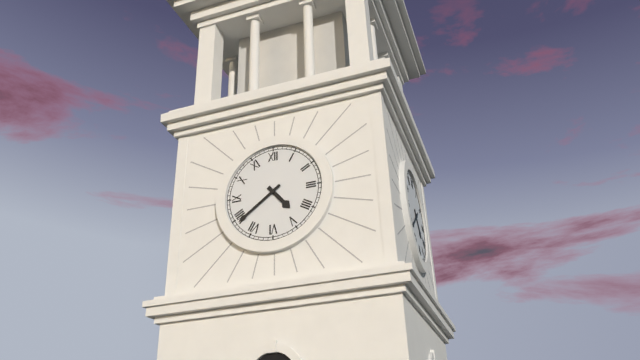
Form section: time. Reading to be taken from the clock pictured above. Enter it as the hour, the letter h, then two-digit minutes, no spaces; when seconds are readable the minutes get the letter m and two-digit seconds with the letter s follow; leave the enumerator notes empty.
4h39
